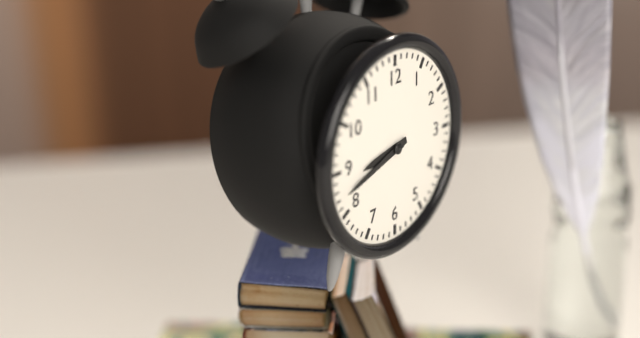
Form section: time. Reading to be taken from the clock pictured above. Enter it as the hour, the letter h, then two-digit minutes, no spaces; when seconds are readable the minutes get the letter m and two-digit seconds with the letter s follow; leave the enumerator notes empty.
8h42
